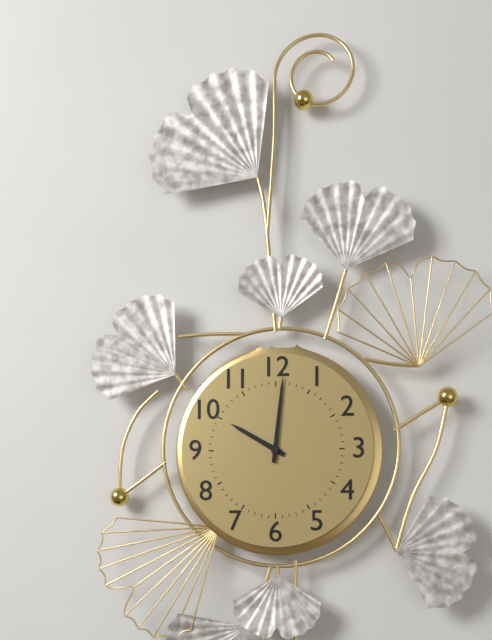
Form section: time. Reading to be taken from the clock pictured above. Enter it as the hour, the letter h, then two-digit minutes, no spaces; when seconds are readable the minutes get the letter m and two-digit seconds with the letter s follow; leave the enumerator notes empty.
10h01
